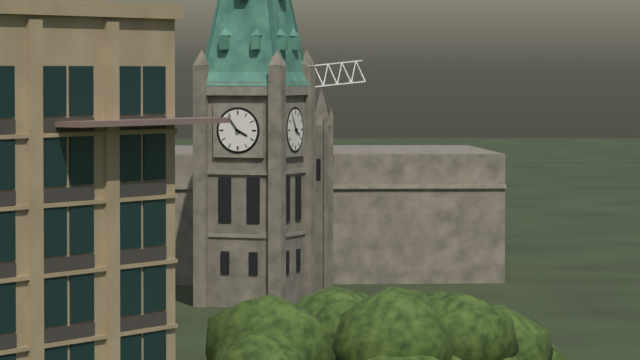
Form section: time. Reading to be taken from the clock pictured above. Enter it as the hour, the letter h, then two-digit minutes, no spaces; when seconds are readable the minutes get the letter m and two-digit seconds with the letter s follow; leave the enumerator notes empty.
3h54
